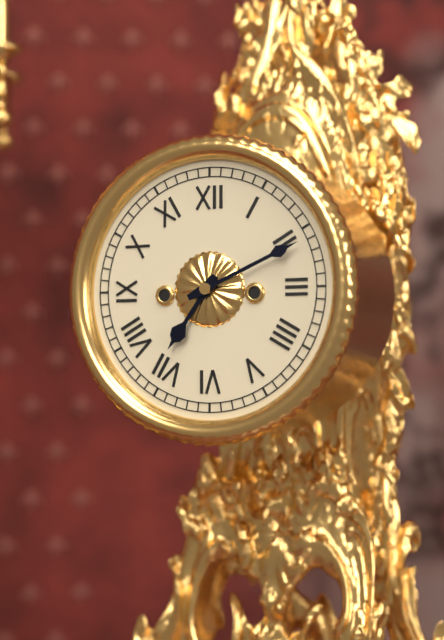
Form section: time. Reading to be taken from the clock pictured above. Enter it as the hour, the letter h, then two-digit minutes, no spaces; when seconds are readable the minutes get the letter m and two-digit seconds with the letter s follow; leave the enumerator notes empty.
7h11
